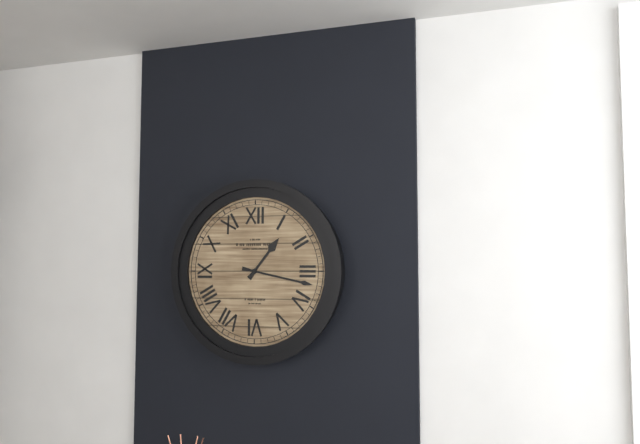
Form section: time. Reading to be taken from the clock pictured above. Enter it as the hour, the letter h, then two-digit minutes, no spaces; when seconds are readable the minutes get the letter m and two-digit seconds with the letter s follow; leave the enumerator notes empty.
1h17
